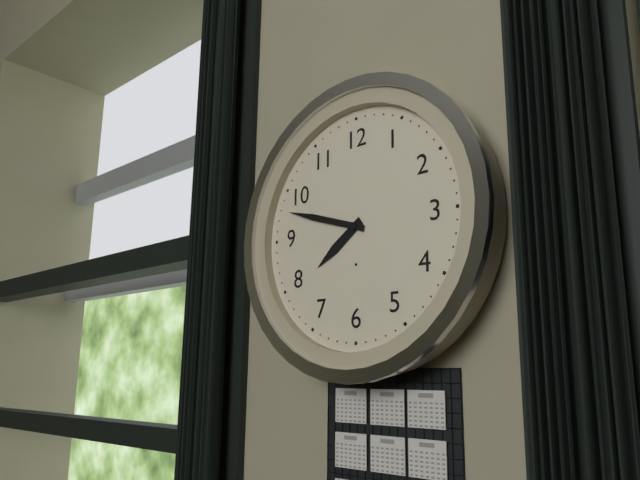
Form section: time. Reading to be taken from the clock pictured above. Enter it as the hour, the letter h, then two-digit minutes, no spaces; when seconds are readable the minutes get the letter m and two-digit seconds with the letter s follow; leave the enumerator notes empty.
7h48
